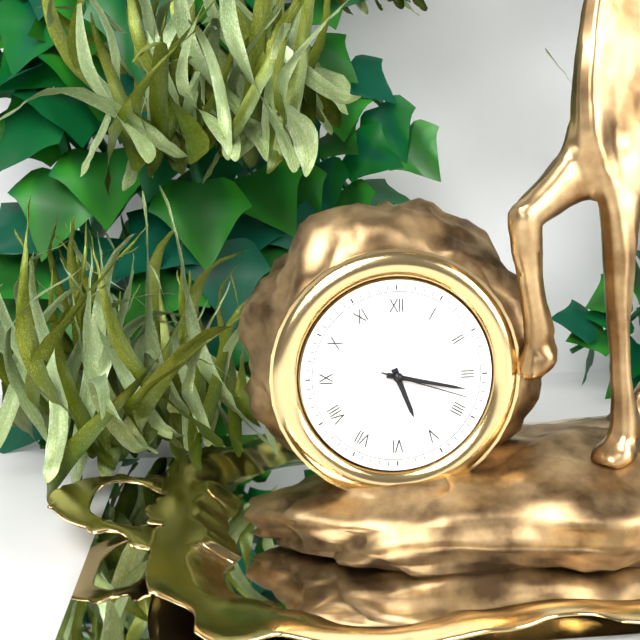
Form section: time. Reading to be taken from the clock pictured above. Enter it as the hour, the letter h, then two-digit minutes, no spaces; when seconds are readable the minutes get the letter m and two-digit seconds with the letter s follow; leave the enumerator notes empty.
5h17m18s
